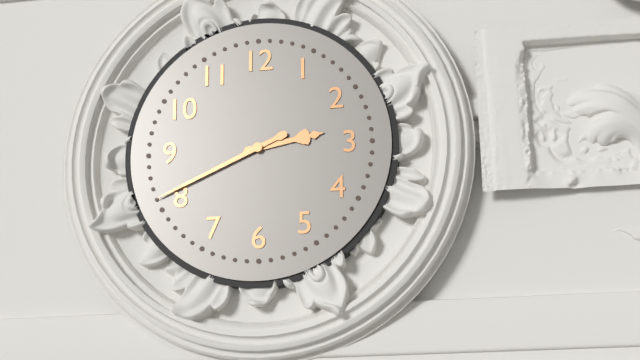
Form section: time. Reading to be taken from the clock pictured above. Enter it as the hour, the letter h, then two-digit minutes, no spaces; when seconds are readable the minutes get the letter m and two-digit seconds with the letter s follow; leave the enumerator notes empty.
2h41
